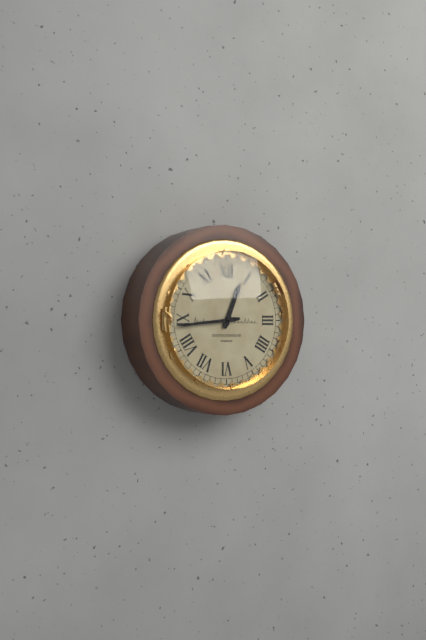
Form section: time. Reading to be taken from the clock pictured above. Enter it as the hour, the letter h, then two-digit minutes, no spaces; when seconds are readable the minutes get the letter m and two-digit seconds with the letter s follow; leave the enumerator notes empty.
12h44
